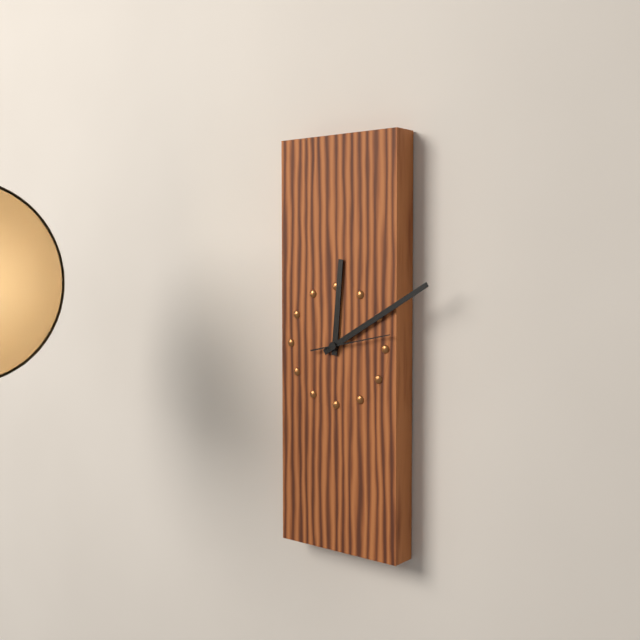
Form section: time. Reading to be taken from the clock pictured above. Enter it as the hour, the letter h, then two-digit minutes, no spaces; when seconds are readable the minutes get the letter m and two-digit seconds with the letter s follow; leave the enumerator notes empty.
12h10m13s
